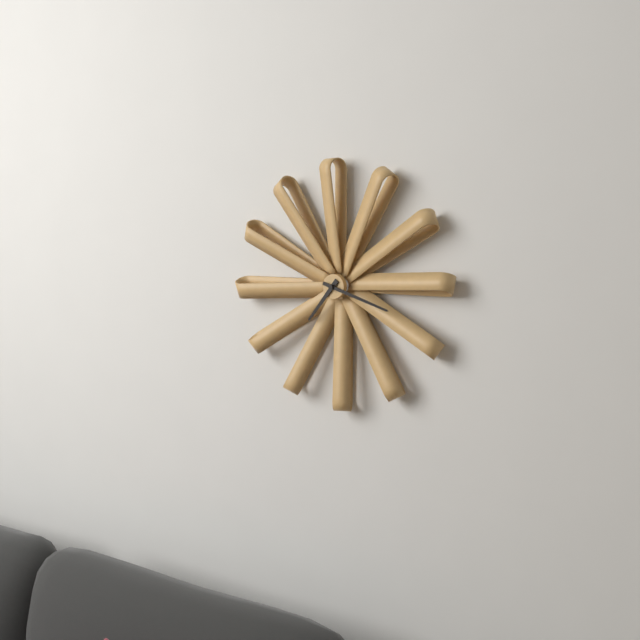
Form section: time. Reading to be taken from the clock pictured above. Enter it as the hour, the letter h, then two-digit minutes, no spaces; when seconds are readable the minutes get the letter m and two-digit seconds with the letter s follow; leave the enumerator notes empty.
7h18
